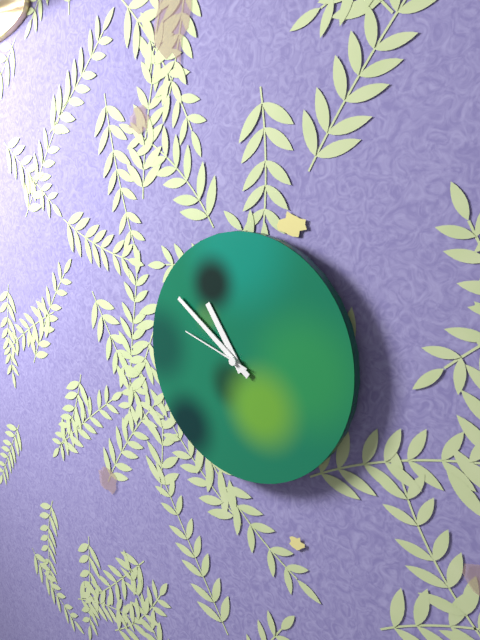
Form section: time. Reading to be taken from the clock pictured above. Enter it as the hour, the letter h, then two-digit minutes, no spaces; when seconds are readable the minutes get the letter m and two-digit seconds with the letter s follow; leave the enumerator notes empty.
10h51m48s
